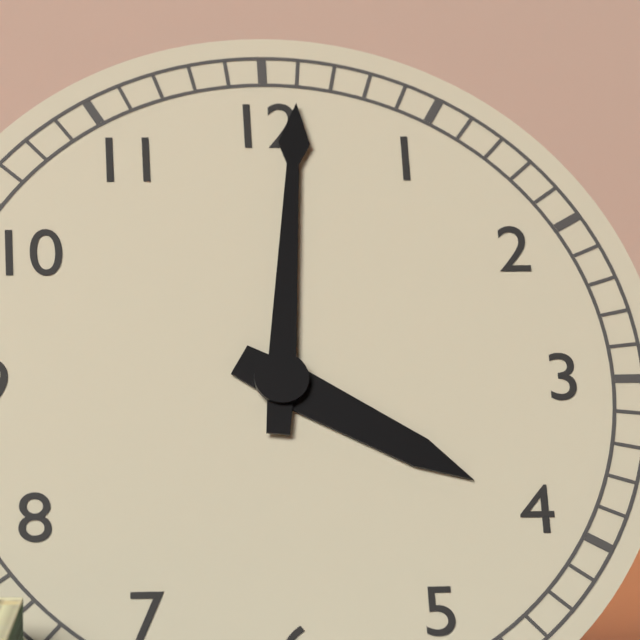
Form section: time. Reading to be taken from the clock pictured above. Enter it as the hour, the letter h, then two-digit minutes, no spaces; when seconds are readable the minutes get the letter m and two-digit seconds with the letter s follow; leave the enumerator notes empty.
4h01
